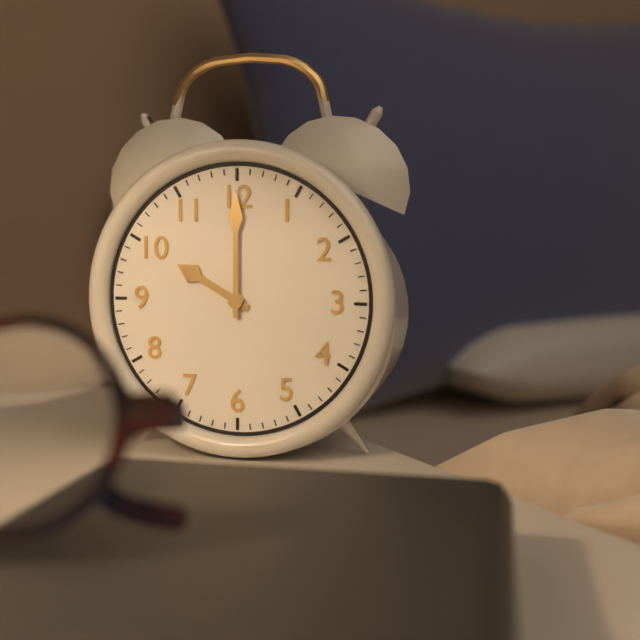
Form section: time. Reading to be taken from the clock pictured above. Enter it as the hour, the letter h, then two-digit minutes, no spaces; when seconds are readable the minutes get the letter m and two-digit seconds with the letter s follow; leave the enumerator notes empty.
10h00
